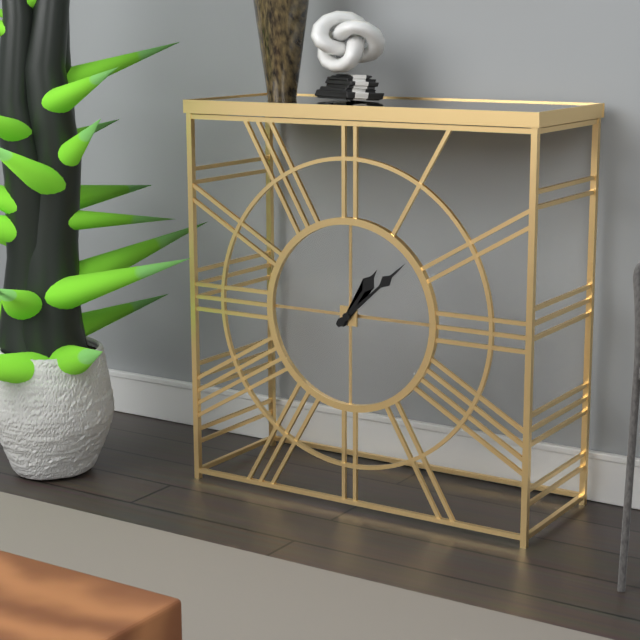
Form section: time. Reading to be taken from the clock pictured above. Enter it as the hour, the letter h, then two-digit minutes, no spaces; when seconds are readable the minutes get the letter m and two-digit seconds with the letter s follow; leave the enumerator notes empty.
1h08
